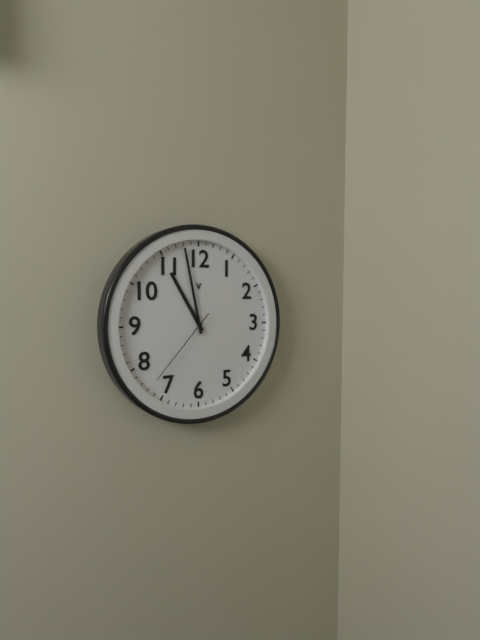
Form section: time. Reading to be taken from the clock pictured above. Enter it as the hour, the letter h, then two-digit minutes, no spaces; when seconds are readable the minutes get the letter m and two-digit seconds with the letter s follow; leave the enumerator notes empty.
10h58m37s
